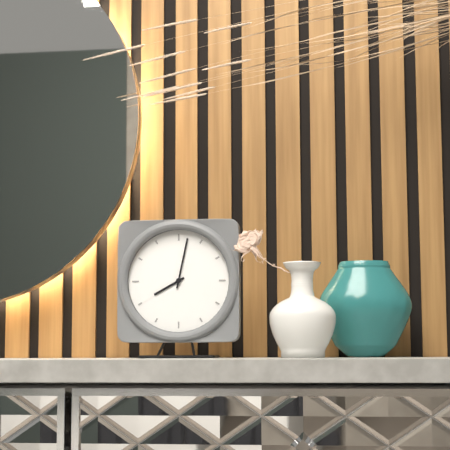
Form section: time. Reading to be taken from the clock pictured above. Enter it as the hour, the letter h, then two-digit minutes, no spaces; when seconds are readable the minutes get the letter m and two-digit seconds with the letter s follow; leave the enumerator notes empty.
8h02
